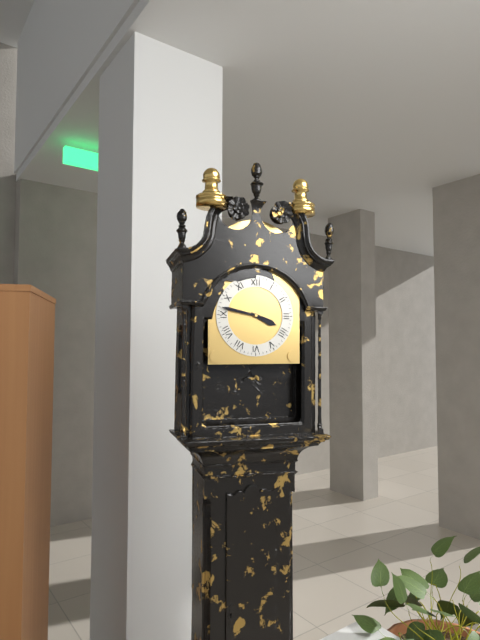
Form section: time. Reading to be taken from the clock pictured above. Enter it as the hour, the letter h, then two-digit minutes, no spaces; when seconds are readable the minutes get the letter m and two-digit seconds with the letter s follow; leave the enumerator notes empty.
3h47
